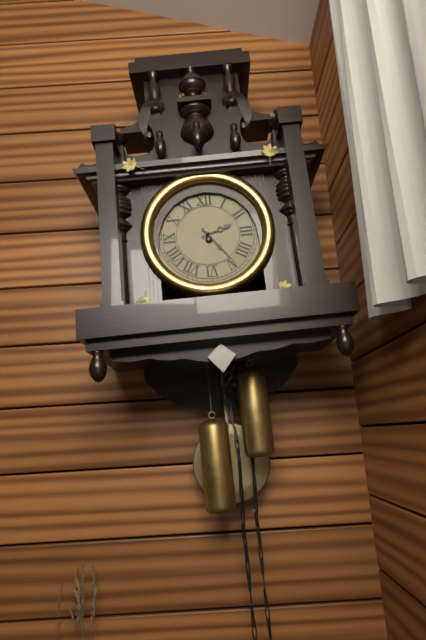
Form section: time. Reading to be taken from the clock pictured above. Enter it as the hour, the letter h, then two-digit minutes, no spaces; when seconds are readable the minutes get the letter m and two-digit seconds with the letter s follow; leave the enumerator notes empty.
2h24
